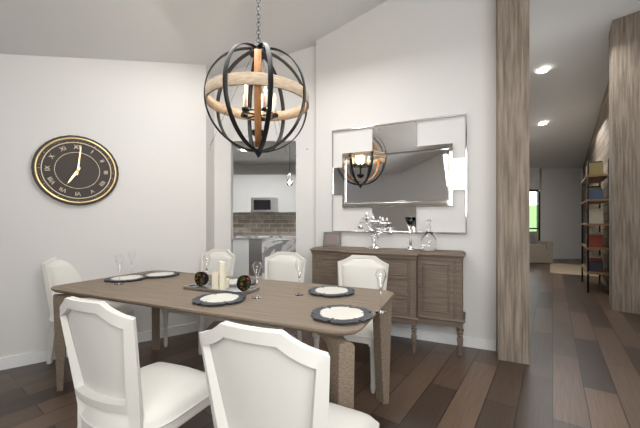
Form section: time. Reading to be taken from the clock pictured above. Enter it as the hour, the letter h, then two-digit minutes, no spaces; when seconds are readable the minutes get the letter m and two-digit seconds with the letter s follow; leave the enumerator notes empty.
7h01
